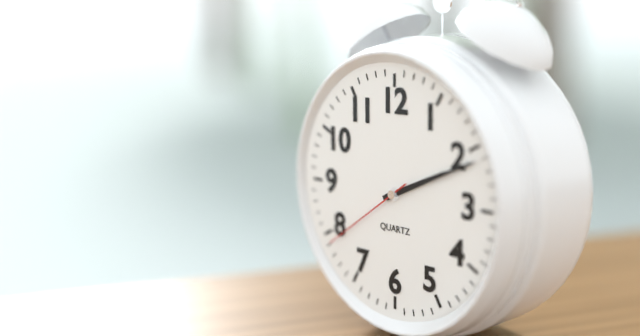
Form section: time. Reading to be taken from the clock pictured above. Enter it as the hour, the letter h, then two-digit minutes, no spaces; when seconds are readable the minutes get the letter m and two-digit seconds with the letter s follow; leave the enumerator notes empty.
2h11m39s
